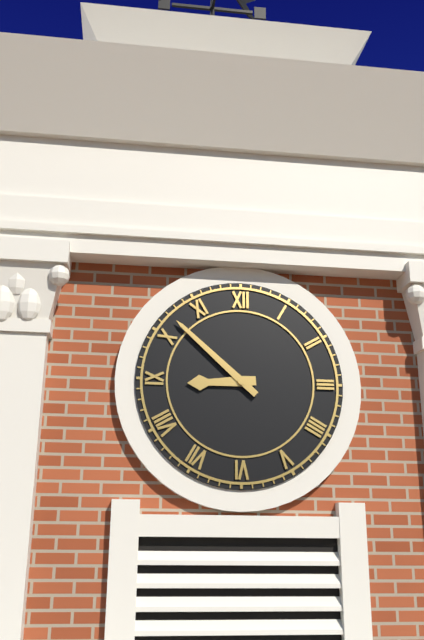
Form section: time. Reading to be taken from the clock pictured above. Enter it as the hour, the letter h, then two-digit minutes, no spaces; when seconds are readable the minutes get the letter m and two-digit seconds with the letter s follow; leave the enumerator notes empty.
8h52
